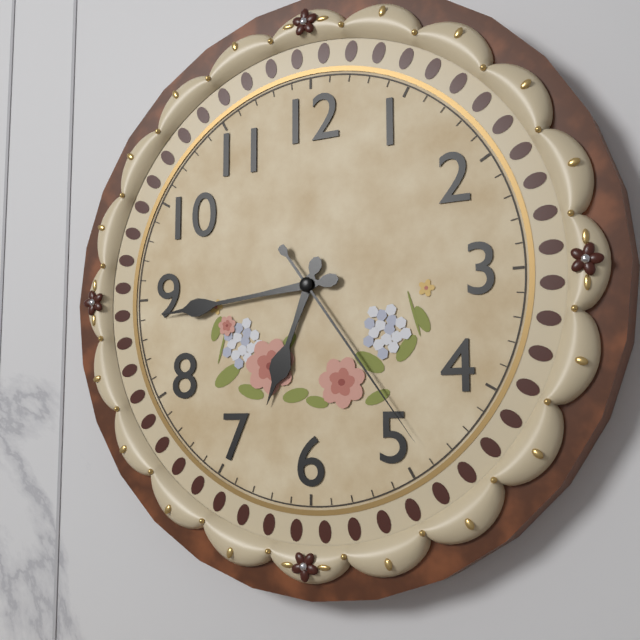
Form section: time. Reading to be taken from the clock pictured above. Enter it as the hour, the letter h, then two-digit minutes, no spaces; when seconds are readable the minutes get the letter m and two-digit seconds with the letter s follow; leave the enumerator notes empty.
6h44m24s
